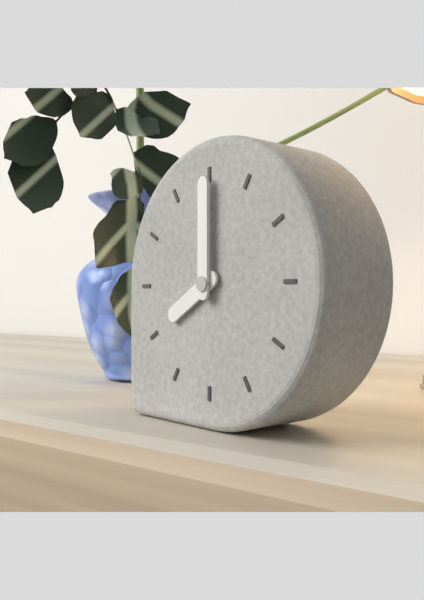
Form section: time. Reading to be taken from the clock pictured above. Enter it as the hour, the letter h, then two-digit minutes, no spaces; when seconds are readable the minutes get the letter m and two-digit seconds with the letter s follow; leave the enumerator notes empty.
8h00
